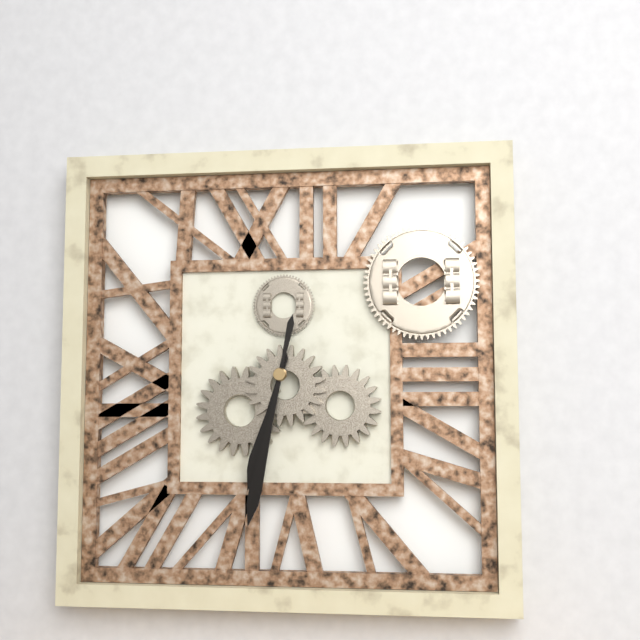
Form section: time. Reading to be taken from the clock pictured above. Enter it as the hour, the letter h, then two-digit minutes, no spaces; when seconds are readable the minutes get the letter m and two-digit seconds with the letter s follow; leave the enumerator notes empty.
6h32
